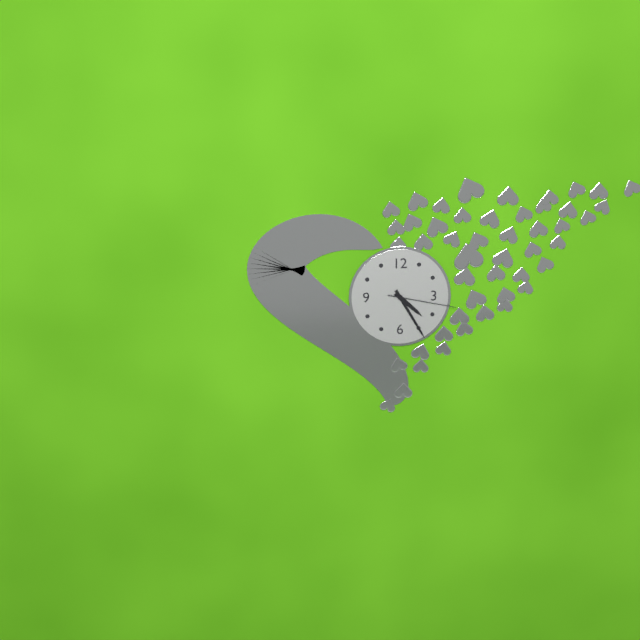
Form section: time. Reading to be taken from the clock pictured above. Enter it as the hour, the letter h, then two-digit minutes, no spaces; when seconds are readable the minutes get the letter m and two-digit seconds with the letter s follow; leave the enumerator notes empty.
4h25m17s
